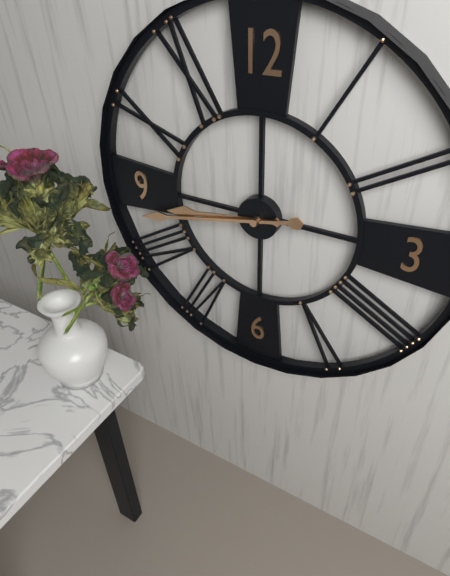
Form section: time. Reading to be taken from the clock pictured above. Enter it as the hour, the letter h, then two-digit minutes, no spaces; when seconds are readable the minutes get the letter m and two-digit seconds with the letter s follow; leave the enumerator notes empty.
8h43
